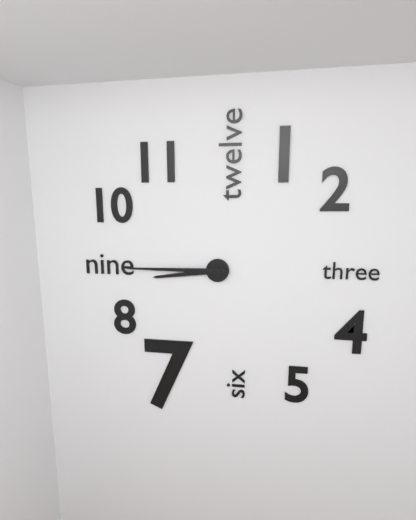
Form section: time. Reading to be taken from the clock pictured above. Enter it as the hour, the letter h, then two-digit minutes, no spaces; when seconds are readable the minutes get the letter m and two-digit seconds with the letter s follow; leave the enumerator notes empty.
8h45
